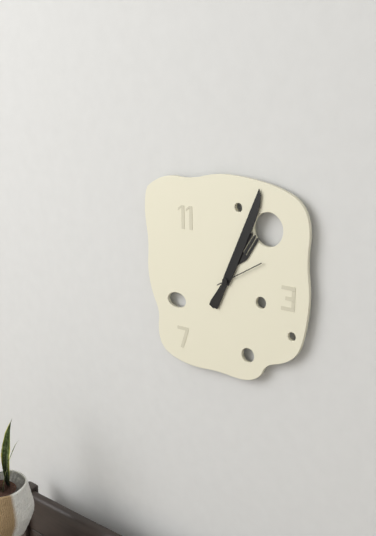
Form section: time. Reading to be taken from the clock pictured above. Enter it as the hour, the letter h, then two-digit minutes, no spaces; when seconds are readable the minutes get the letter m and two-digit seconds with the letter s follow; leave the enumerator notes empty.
1h04m10s
